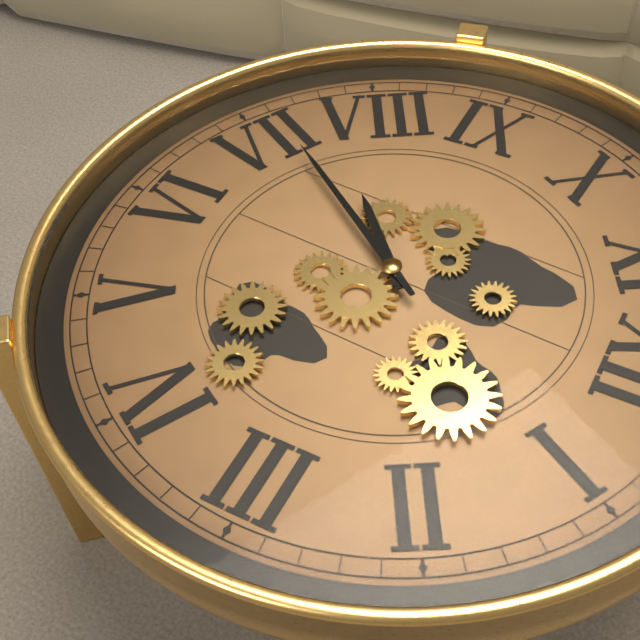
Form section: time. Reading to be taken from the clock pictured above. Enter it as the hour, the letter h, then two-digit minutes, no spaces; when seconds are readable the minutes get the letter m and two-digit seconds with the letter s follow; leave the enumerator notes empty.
7h36
